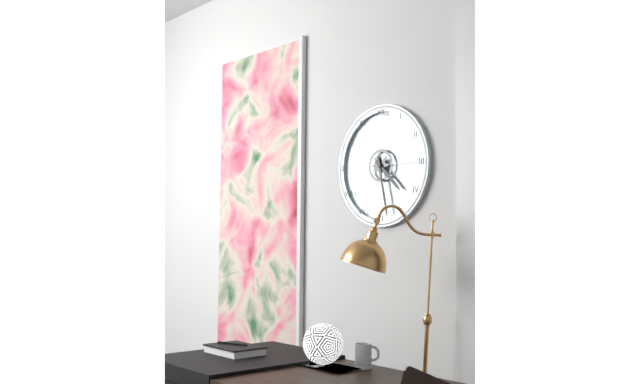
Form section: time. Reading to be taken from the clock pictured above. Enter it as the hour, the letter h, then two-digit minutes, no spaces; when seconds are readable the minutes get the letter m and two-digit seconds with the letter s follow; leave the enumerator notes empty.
4h28
